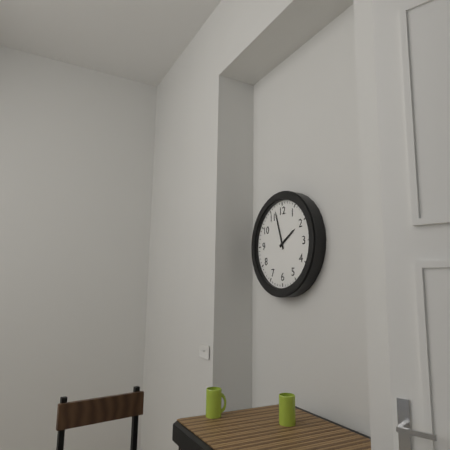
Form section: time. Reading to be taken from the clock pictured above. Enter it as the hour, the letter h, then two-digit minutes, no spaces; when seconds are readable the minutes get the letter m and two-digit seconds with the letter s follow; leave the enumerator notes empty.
1h57
